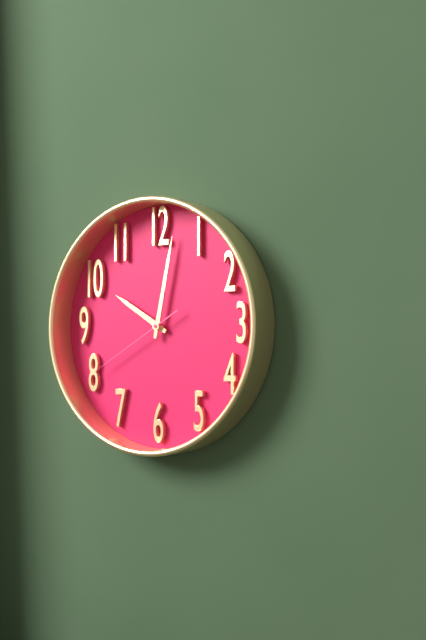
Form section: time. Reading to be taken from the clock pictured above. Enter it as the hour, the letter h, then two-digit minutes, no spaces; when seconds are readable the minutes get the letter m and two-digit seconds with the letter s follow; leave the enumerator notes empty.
10h02m40s
